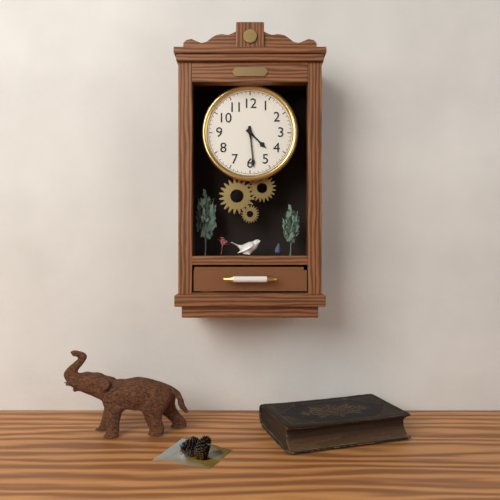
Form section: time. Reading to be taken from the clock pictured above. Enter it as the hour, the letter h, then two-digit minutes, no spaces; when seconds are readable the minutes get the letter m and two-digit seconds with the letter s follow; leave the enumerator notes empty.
4h29
